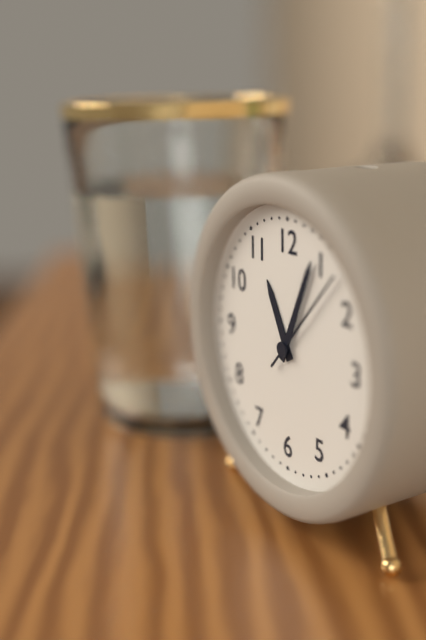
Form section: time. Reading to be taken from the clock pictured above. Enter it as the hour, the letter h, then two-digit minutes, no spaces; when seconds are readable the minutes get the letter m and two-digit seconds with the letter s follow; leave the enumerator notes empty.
11h04m07s
